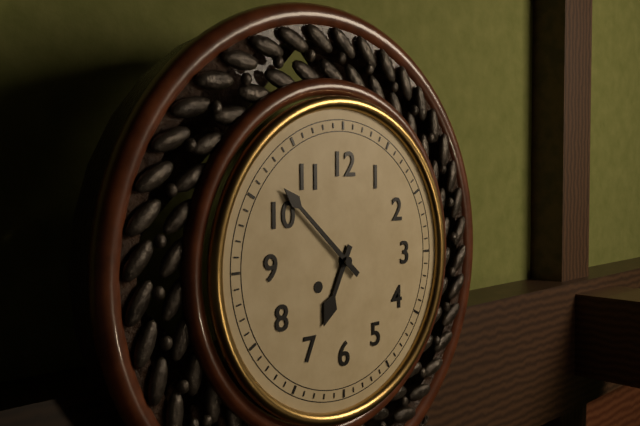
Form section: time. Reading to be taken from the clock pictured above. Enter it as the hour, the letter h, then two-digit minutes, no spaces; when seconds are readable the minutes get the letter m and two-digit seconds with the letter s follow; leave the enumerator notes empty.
6h52
